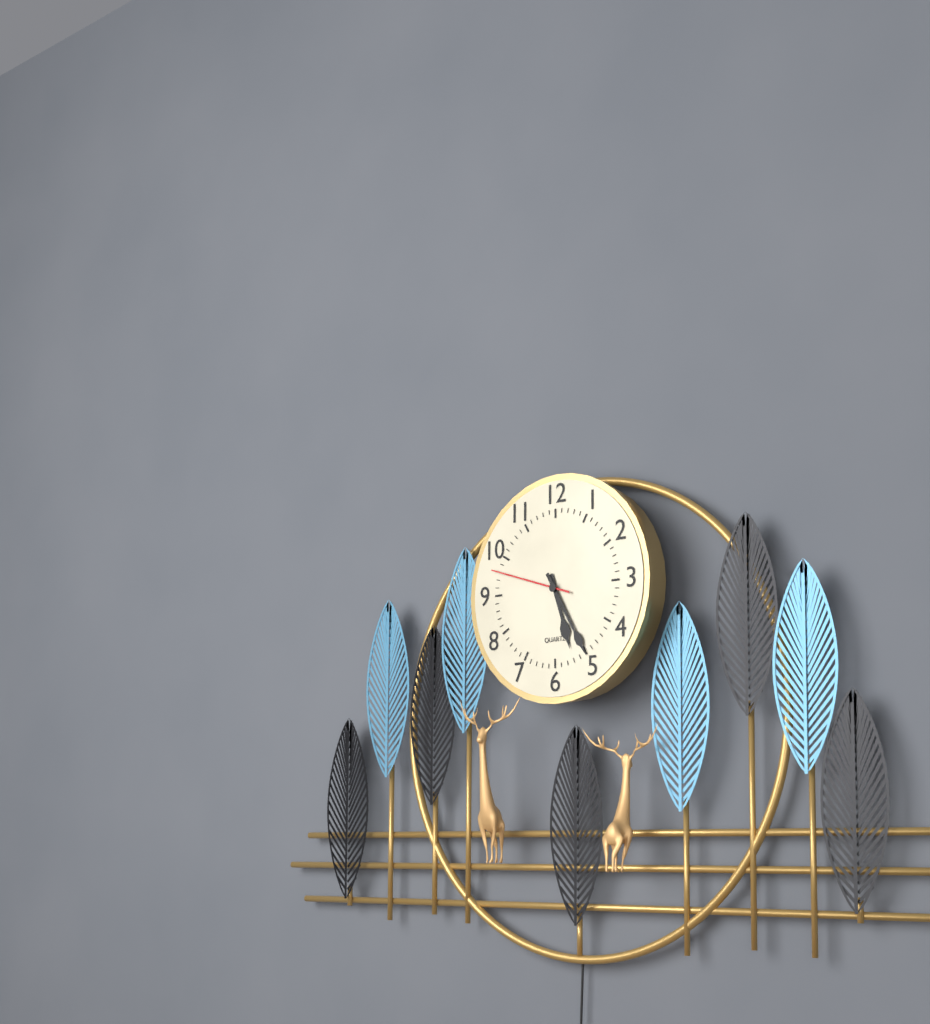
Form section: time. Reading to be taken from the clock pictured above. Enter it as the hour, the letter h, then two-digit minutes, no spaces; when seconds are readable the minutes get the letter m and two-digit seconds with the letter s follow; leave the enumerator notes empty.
5h25m48s
